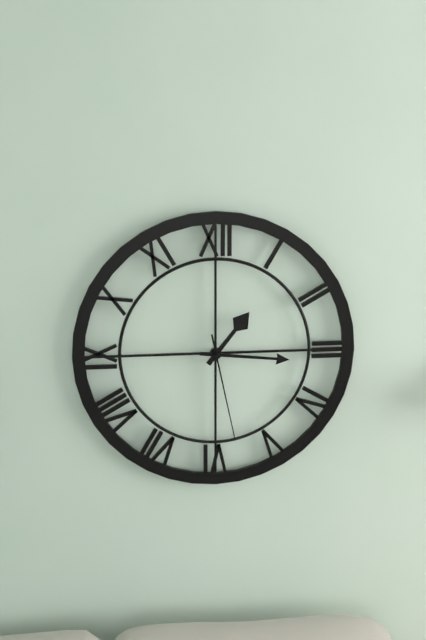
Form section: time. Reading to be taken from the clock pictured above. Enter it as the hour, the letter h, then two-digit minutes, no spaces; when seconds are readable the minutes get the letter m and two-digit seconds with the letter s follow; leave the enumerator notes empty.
1h16m28s
